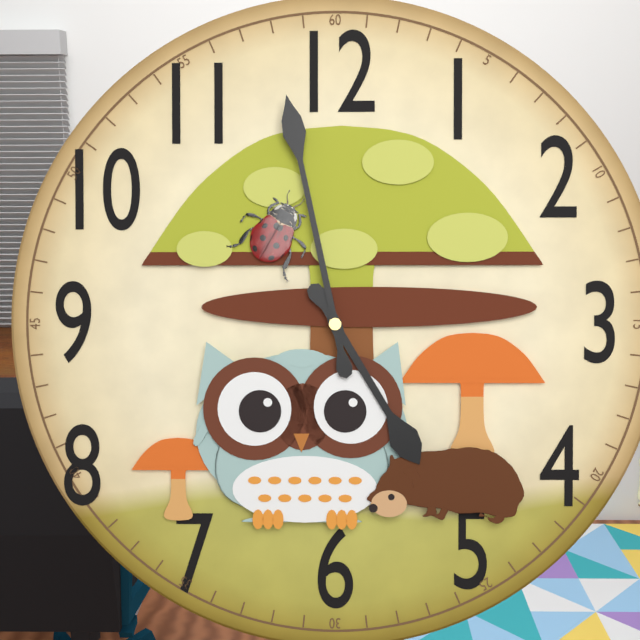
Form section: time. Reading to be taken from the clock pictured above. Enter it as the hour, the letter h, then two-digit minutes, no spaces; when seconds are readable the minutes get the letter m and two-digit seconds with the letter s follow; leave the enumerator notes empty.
4h58
